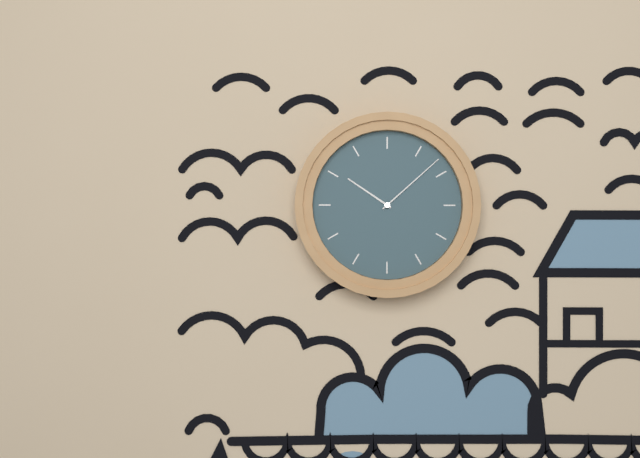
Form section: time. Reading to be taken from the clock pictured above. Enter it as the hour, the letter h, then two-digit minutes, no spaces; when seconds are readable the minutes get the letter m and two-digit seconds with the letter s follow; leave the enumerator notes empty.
10h08
